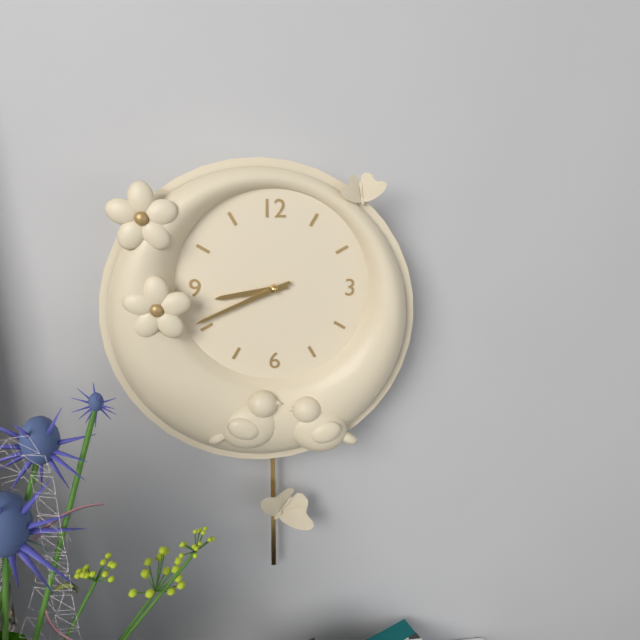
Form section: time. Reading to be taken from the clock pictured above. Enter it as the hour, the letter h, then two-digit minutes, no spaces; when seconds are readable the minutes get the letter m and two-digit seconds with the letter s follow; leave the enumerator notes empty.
8h41
